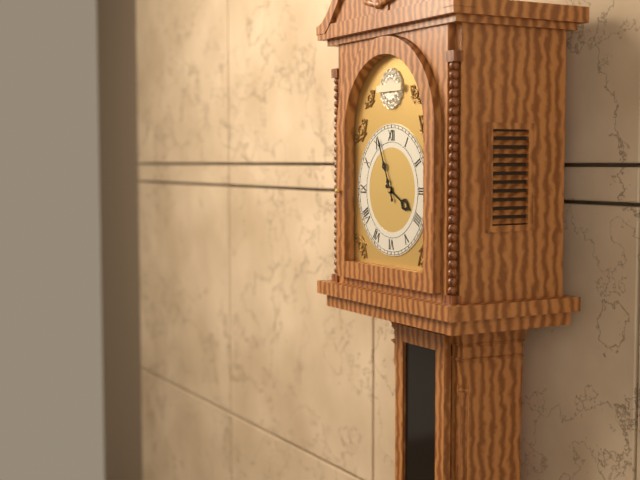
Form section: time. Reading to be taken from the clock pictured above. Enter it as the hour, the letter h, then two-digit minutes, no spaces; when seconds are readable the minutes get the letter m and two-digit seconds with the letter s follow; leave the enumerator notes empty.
3h56
